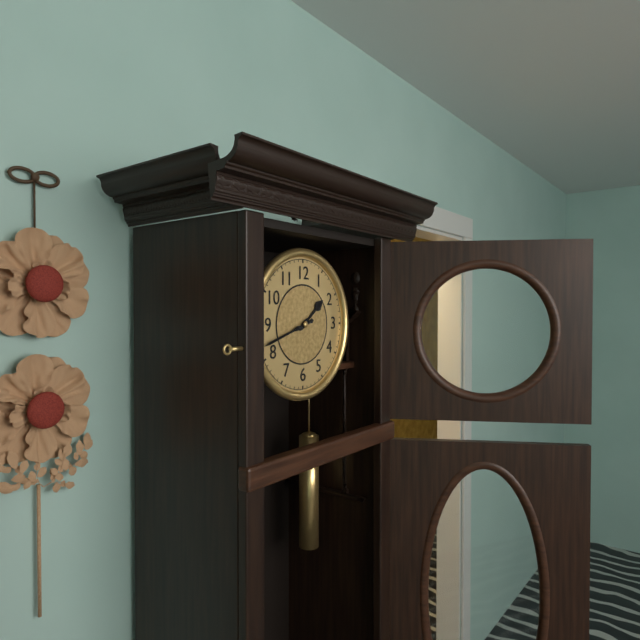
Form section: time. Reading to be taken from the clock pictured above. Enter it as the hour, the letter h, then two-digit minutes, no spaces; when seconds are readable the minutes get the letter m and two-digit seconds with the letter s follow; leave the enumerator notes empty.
1h42
